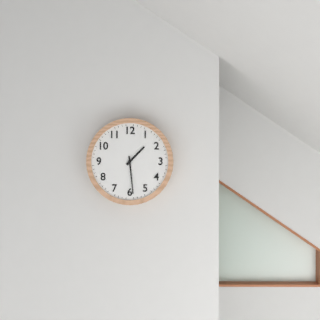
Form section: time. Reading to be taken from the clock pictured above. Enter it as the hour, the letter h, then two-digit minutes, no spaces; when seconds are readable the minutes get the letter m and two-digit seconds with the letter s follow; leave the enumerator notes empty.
1h29
